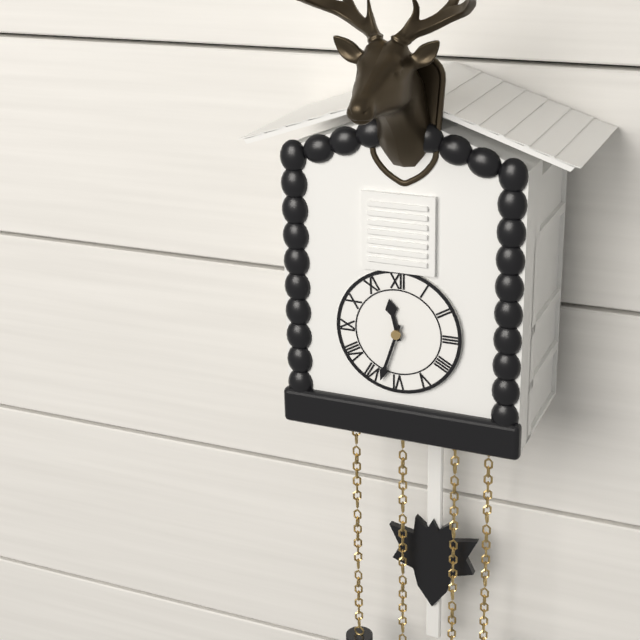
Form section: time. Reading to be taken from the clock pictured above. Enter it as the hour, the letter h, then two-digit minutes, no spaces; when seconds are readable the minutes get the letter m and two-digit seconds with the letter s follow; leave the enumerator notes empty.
11h33
